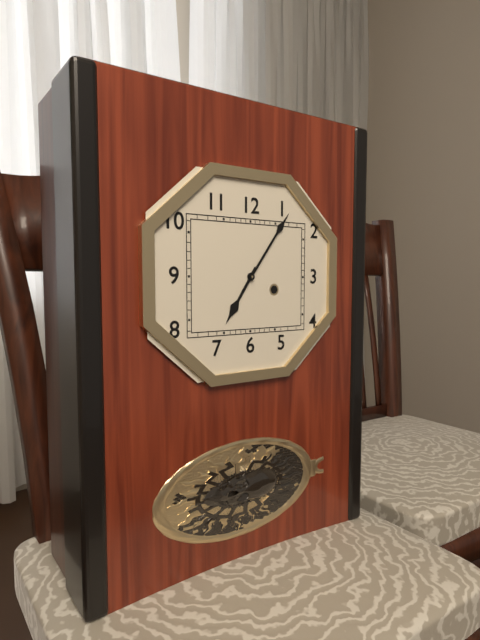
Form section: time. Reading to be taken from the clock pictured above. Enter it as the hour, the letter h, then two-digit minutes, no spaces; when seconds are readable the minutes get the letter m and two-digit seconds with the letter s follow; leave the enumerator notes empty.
7h06
